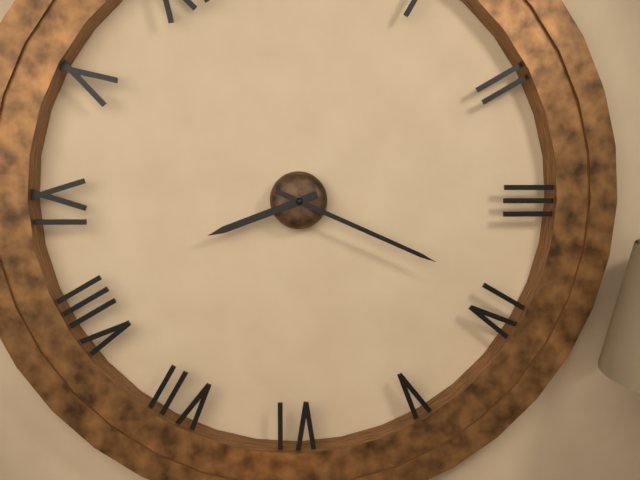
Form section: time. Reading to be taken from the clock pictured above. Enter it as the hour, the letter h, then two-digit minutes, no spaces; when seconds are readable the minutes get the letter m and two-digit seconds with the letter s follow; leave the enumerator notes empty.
8h19
